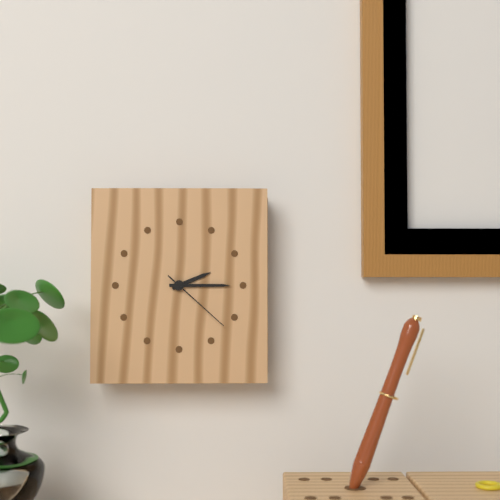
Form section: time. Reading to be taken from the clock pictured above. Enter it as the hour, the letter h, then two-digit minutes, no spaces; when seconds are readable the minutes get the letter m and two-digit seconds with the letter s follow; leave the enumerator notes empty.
2h15m22s
